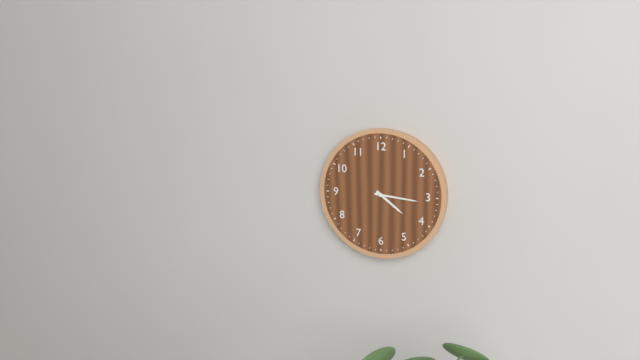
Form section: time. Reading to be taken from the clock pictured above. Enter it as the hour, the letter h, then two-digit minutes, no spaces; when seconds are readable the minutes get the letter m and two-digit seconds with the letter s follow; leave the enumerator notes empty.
4h16
